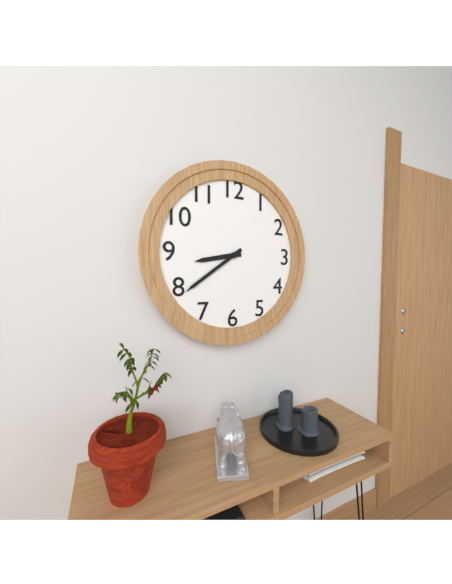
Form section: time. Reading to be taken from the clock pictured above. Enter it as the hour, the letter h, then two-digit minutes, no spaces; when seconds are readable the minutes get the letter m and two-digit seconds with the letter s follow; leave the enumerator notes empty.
8h39
